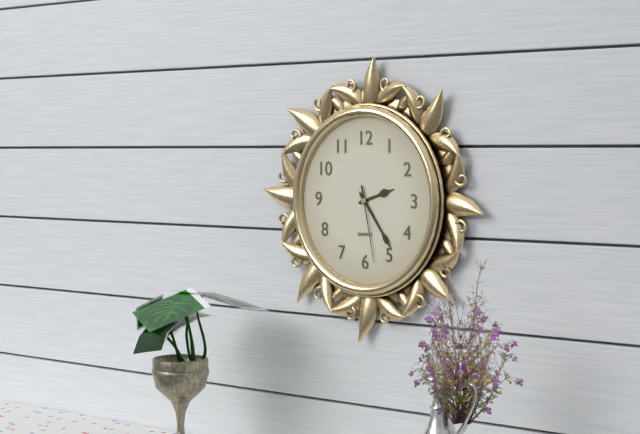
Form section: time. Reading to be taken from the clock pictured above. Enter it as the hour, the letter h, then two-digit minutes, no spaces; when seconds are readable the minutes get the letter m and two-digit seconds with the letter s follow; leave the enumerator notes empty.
2h24m28s
